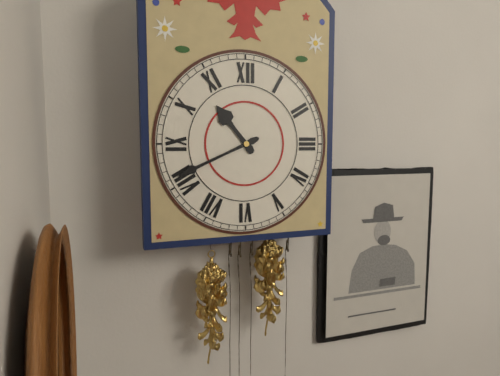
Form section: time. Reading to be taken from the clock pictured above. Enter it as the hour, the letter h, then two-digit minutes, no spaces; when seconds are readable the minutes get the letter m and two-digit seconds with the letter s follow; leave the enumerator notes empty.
10h41
